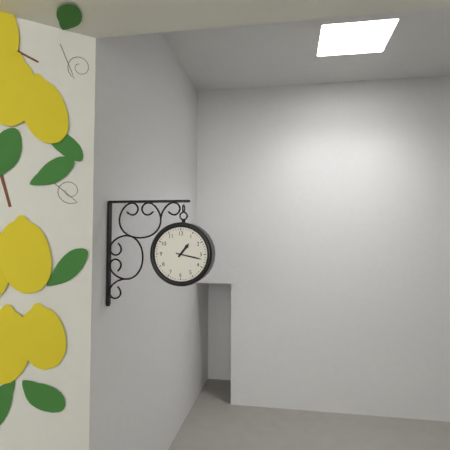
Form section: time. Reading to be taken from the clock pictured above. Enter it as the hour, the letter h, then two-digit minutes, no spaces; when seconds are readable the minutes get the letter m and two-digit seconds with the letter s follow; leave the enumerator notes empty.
1h17
